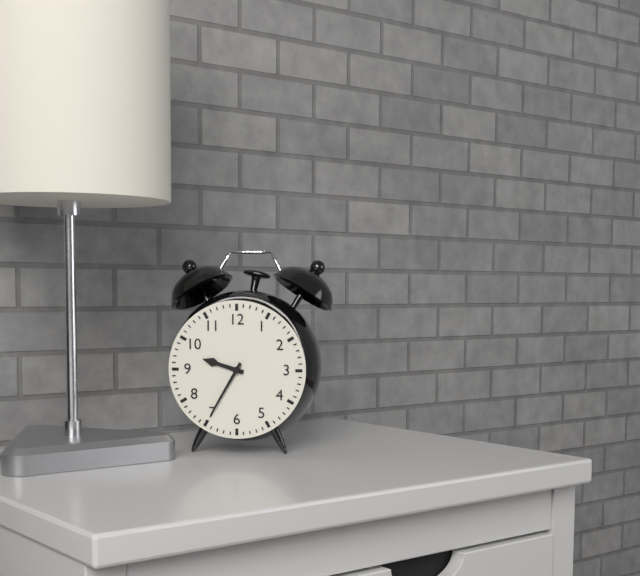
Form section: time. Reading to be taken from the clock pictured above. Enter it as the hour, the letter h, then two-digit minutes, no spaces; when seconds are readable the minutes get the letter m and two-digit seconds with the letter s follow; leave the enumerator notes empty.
9h35
